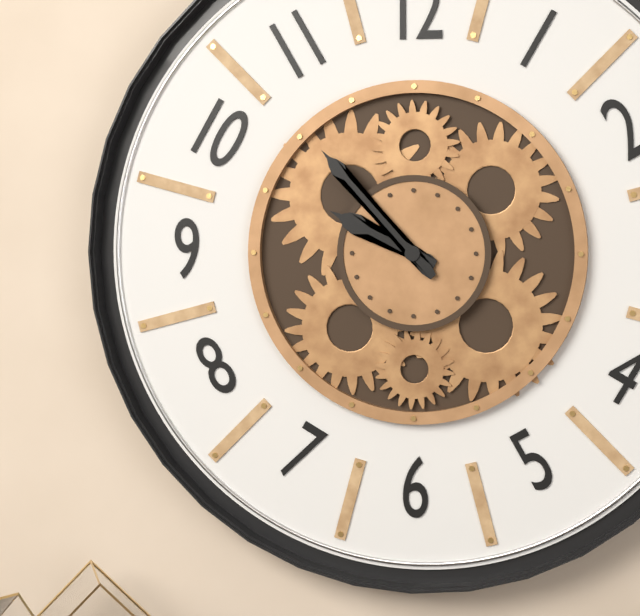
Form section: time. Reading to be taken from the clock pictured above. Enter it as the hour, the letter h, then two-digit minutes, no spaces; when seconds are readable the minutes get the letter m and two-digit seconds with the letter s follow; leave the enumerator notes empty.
9h53
